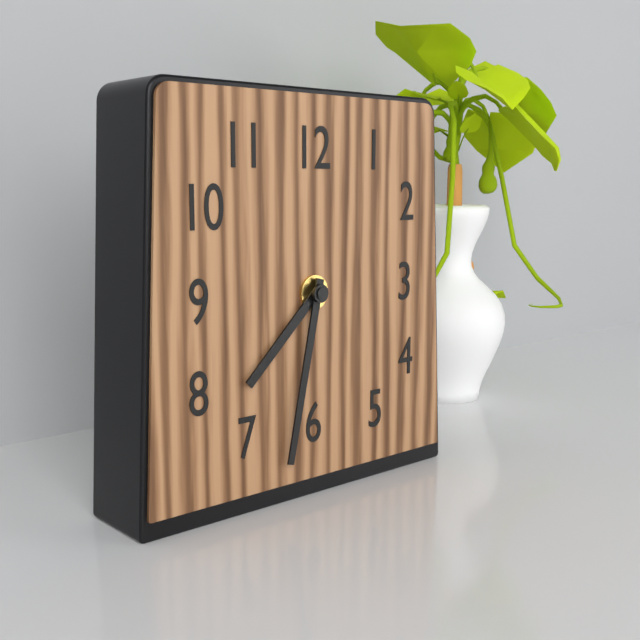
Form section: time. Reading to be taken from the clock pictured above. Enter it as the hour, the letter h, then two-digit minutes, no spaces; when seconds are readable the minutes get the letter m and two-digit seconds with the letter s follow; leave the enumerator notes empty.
7h32
